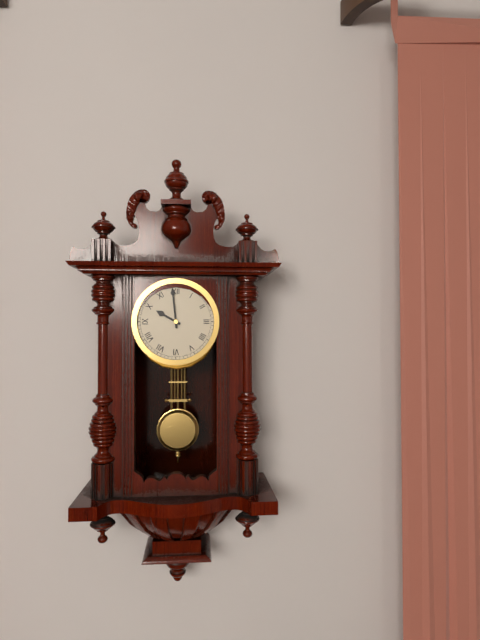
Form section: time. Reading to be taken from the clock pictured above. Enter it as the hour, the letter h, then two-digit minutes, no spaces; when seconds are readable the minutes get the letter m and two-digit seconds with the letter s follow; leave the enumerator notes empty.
9h59
